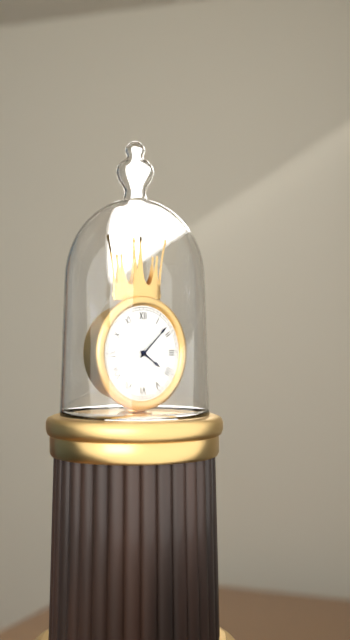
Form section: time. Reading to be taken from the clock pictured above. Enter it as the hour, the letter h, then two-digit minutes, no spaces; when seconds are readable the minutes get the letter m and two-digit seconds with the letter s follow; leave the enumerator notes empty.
4h08
